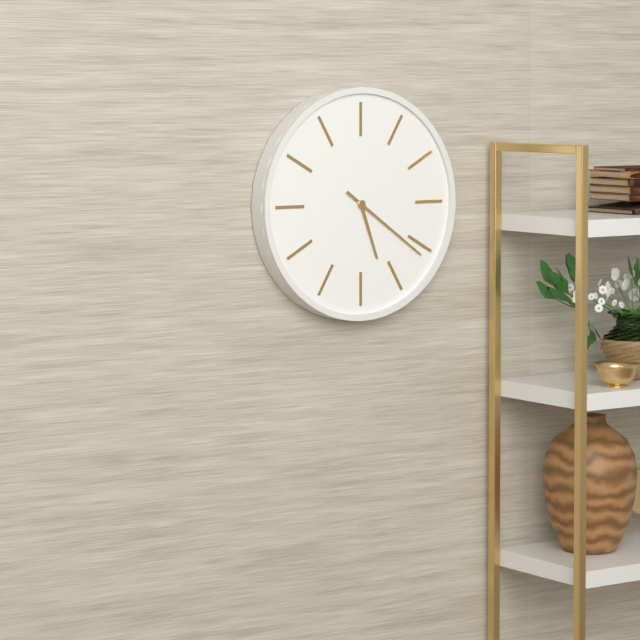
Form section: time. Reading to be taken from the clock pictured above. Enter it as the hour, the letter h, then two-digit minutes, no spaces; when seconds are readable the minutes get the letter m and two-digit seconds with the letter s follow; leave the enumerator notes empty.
5h21
